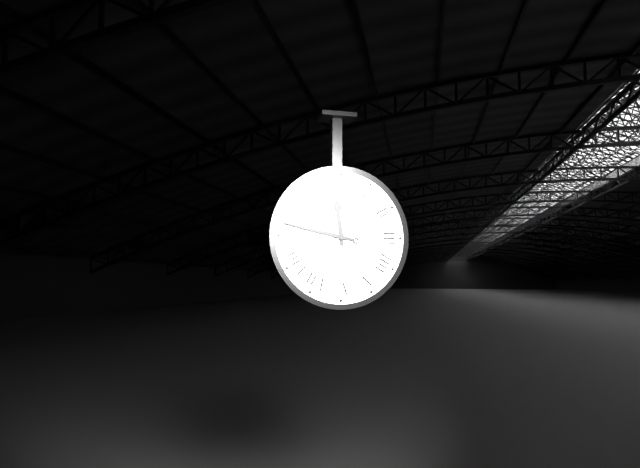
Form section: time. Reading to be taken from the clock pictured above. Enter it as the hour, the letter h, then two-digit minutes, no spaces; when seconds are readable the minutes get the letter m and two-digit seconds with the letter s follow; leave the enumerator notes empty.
11h47
